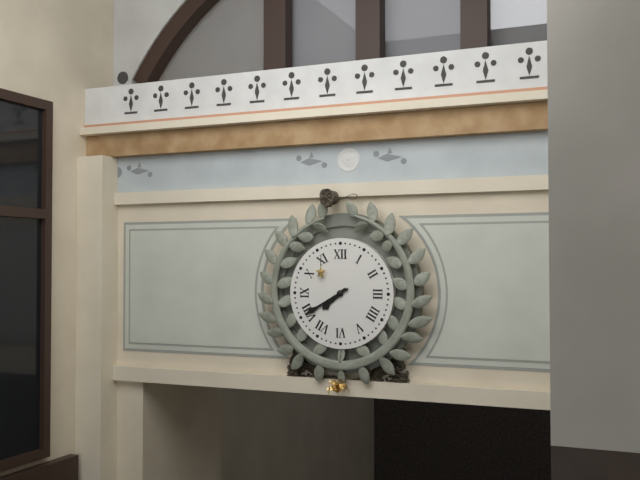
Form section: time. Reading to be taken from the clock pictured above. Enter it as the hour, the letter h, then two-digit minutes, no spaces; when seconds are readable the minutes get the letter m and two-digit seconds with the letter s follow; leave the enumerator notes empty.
7h40
